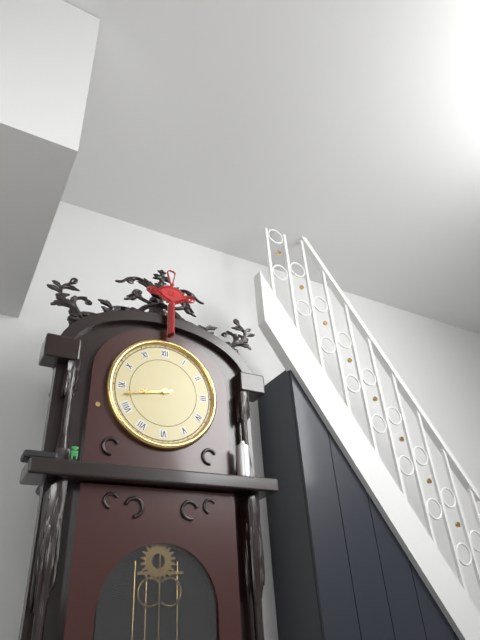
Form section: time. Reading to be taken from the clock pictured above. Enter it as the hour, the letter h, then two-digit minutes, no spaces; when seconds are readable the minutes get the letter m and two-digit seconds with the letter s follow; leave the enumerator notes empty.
8h43
